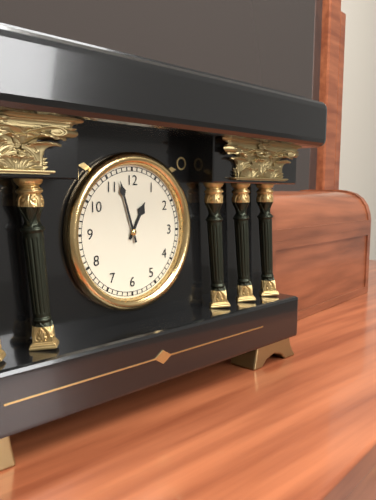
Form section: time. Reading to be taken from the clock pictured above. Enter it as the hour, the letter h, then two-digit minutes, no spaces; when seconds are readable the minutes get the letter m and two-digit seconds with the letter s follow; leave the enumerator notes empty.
12h57
